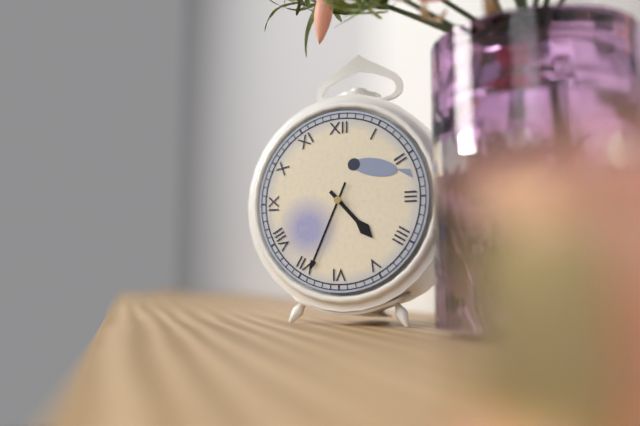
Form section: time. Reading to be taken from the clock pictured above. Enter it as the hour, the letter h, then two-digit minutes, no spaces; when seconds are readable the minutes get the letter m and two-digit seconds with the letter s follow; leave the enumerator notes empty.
4h34
